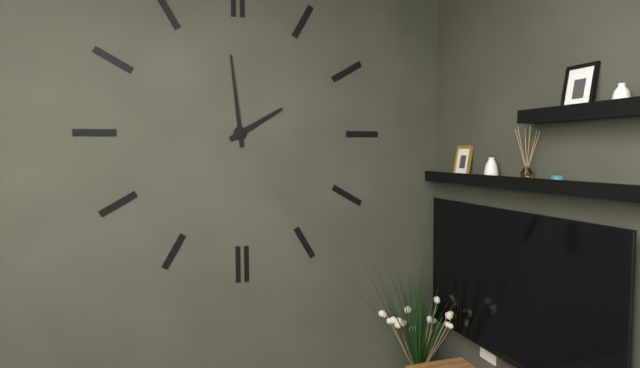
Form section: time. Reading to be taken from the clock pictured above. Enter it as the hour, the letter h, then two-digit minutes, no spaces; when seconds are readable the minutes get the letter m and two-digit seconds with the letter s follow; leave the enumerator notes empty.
1h59
